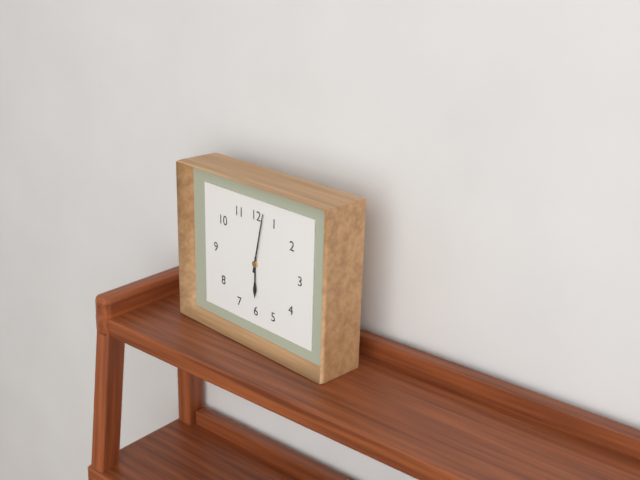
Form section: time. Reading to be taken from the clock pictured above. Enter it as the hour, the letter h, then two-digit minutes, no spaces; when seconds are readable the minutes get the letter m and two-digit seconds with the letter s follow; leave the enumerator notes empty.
6h02
